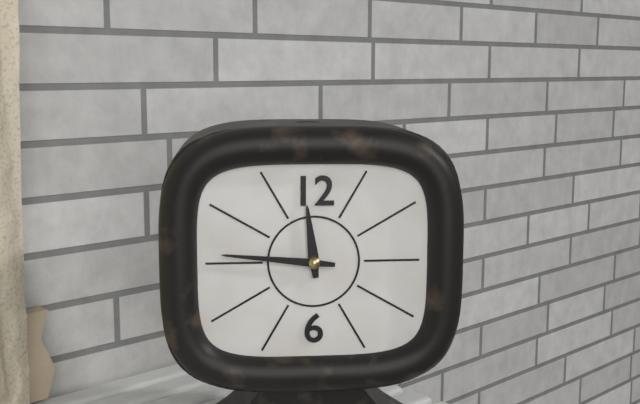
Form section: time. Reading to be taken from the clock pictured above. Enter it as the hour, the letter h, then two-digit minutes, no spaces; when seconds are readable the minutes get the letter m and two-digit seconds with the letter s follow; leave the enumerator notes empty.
11h46
